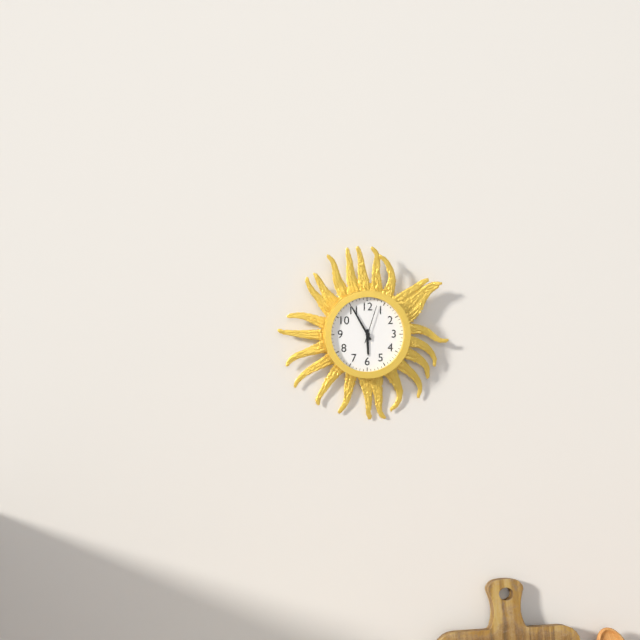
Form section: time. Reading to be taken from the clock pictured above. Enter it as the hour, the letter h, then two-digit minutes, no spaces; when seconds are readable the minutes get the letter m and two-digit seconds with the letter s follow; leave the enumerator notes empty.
5h55
